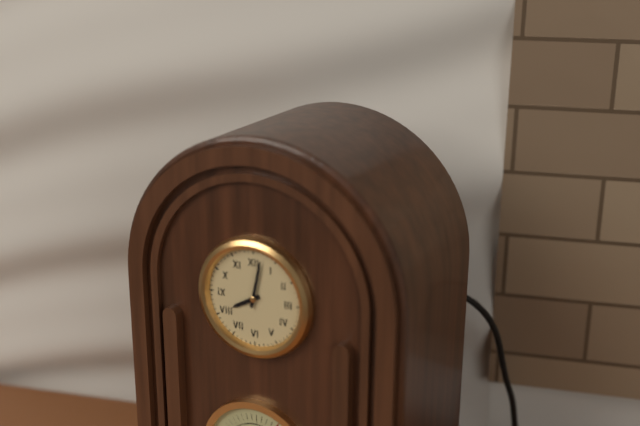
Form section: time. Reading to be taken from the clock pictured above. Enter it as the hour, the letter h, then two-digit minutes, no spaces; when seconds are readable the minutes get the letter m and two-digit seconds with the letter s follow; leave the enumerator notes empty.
8h02
